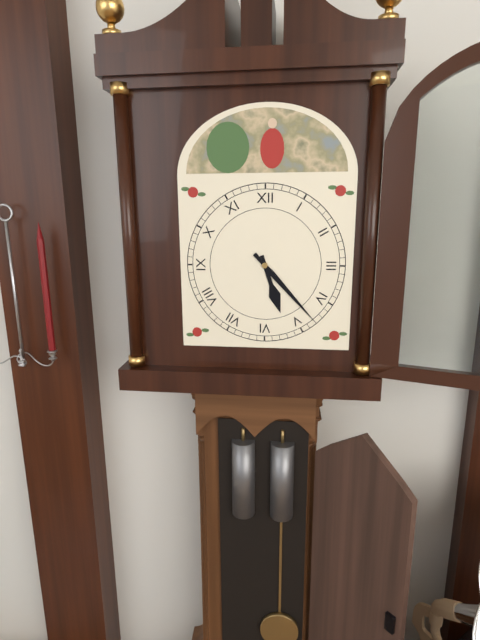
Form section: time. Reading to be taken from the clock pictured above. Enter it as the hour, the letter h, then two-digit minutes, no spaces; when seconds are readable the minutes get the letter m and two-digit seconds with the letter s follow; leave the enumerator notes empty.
5h23
